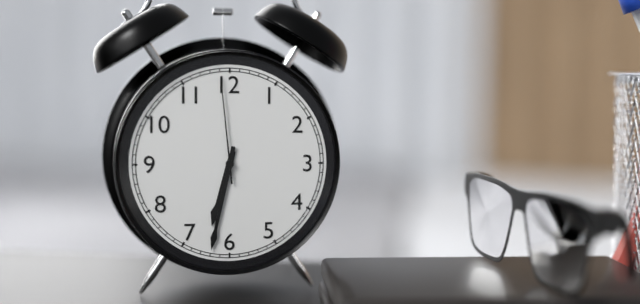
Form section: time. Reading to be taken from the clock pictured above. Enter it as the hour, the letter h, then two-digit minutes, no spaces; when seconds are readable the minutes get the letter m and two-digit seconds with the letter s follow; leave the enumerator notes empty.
6h32m59s
